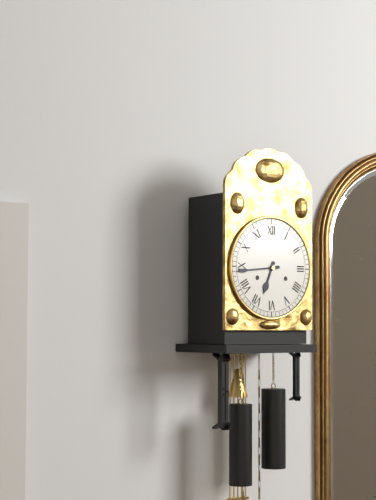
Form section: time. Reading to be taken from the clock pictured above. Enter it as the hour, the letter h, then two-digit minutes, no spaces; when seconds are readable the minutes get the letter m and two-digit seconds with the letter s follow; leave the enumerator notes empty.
6h44
